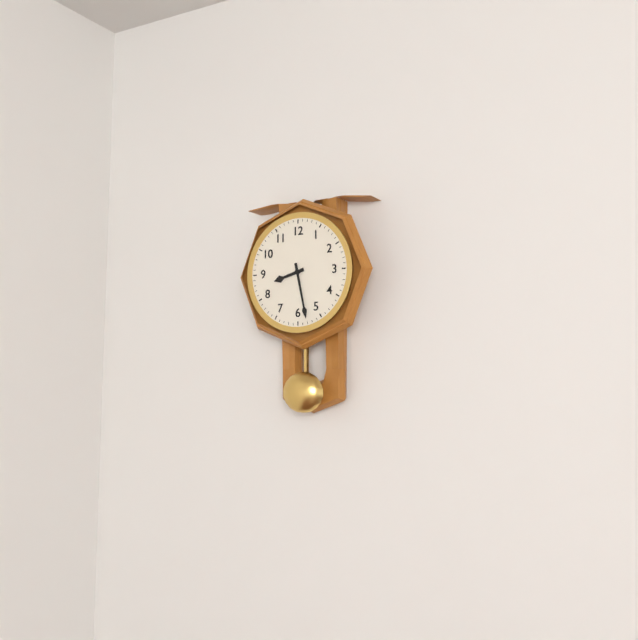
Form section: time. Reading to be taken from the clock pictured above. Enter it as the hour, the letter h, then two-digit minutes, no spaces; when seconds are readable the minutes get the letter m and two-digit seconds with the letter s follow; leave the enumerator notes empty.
8h28
